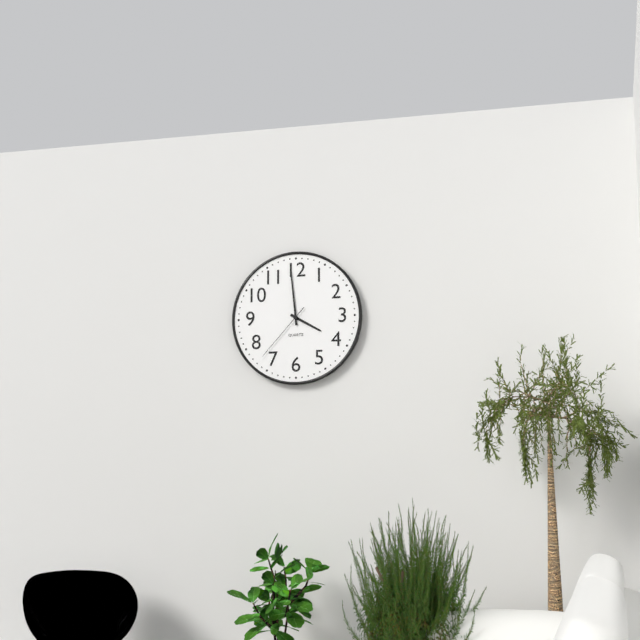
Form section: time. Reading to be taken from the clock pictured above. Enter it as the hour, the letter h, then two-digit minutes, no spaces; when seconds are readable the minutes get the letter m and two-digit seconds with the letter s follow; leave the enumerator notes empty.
3h59m37s
